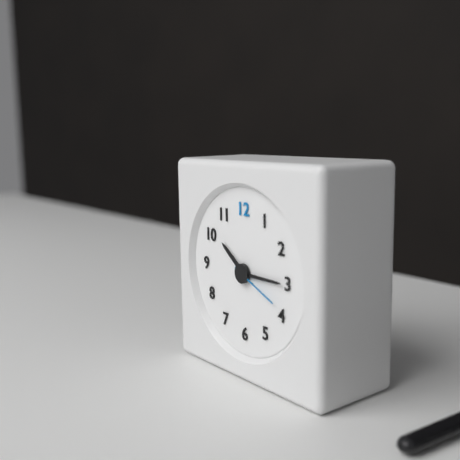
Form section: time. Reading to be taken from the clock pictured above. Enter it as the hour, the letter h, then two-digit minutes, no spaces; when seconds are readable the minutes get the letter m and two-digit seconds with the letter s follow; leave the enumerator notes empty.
10h15
